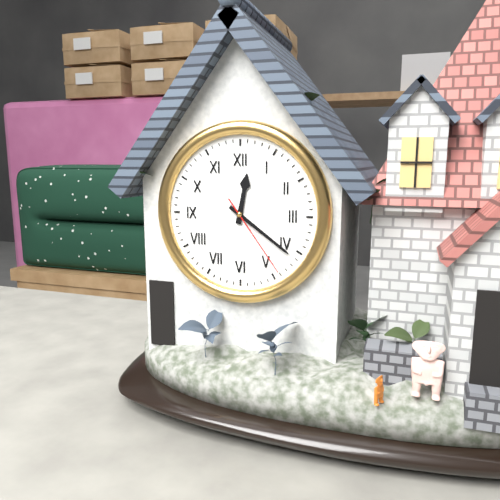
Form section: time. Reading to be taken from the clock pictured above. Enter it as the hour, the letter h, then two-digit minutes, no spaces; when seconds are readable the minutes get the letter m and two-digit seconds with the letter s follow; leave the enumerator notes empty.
12h21m24s
